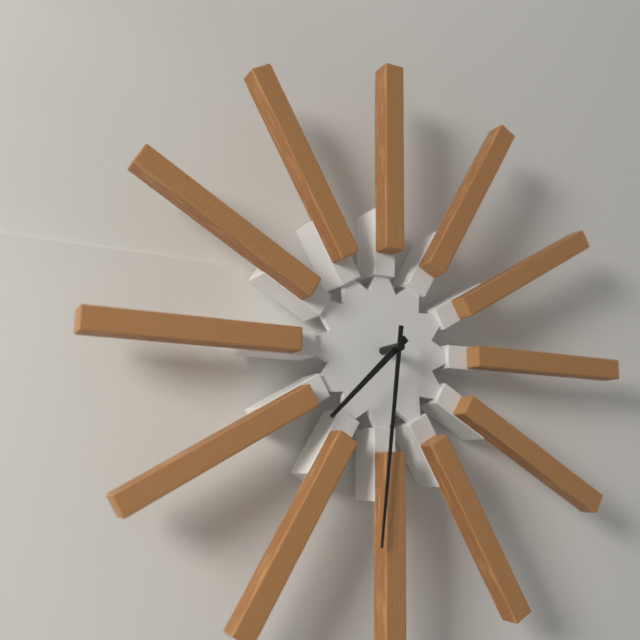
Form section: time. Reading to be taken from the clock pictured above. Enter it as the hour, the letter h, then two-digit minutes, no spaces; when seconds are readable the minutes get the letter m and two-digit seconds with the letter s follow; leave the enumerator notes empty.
7h31
